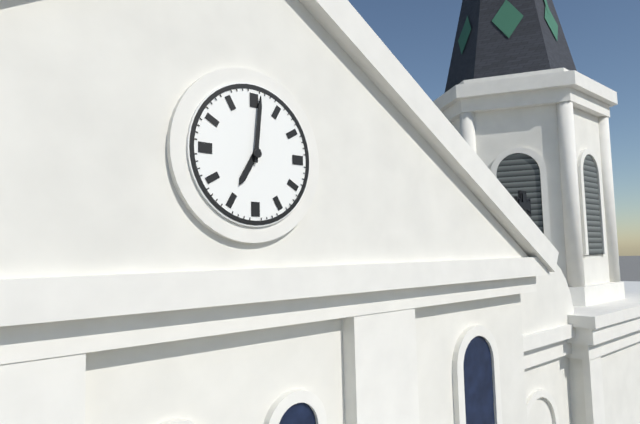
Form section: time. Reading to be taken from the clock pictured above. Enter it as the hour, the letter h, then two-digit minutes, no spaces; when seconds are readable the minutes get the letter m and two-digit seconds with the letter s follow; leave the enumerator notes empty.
7h01
